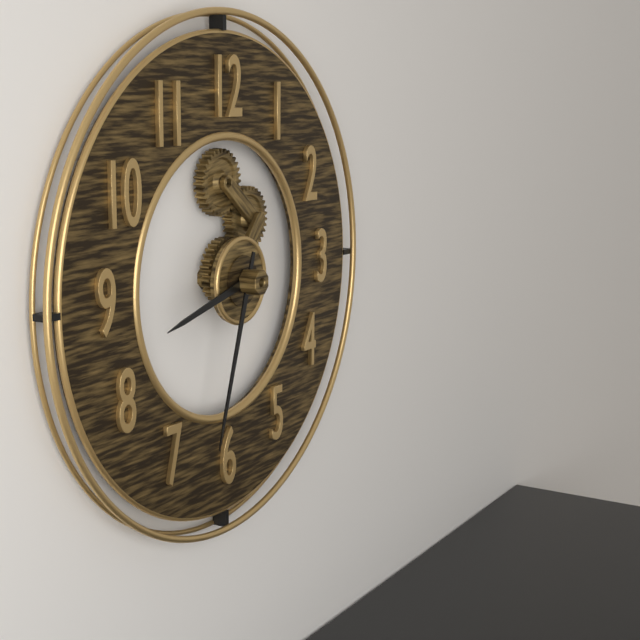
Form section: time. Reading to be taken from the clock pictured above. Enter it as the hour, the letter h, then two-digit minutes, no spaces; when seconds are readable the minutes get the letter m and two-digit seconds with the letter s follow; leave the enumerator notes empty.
8h33
